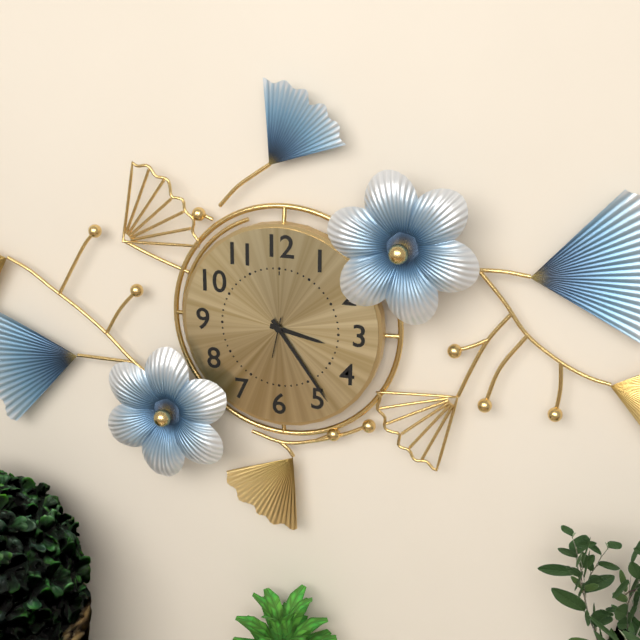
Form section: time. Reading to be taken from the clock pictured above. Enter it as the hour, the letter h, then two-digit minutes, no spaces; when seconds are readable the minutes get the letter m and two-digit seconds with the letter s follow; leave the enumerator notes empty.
3h24
